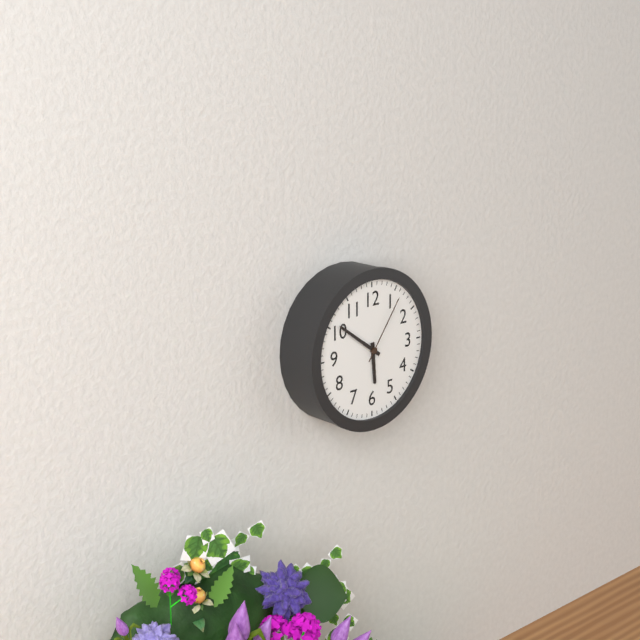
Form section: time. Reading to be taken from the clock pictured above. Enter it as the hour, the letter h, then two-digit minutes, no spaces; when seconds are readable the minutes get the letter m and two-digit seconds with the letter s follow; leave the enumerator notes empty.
5h51m06s
